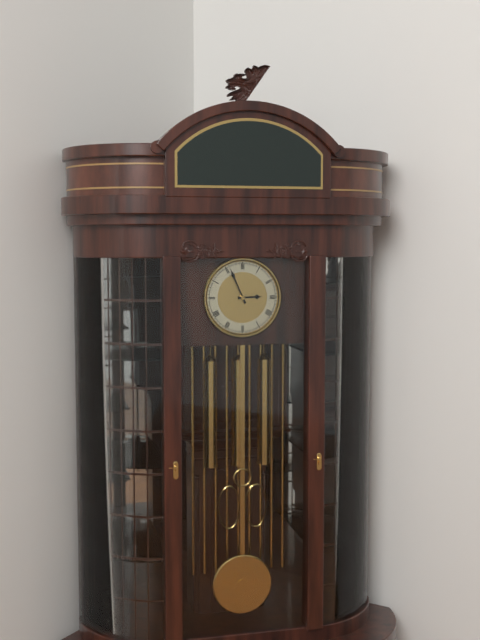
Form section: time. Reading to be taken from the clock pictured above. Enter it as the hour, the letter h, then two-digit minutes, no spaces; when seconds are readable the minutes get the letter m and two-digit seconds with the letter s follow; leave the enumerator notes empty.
2h56
